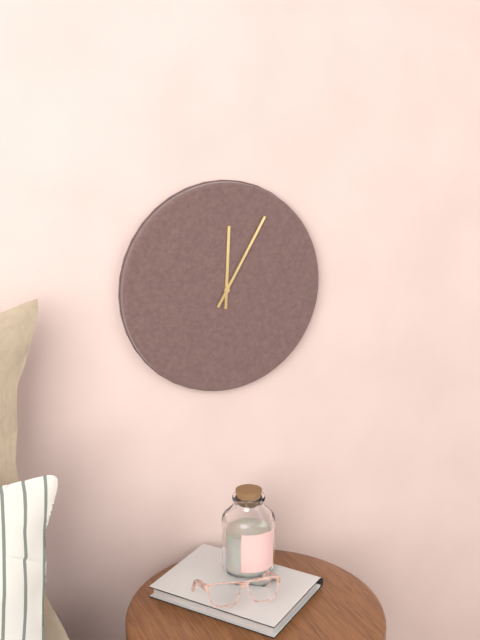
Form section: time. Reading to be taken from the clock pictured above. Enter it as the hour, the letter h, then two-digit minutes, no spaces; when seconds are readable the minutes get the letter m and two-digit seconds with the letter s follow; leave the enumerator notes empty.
12h05
